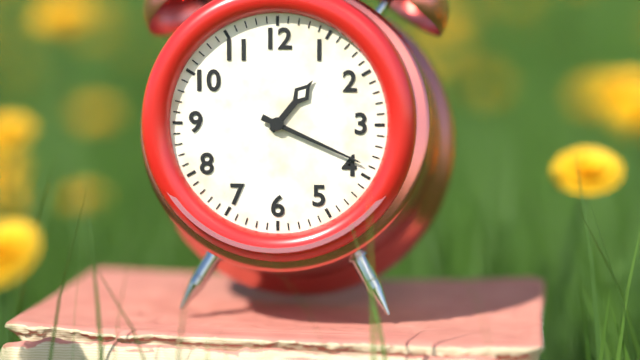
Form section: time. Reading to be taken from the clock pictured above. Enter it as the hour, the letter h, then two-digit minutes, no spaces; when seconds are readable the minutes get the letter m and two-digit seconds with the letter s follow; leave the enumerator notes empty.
1h19
